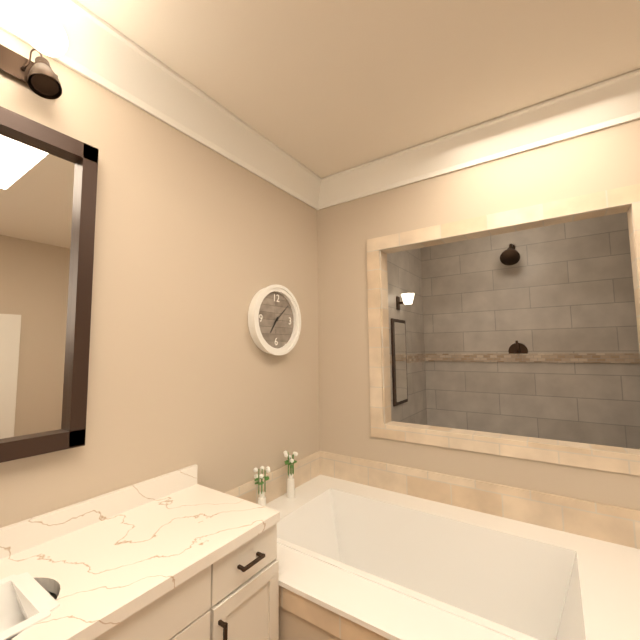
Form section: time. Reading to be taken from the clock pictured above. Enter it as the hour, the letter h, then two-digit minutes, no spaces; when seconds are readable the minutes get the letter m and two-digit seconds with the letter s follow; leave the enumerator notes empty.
7h08
